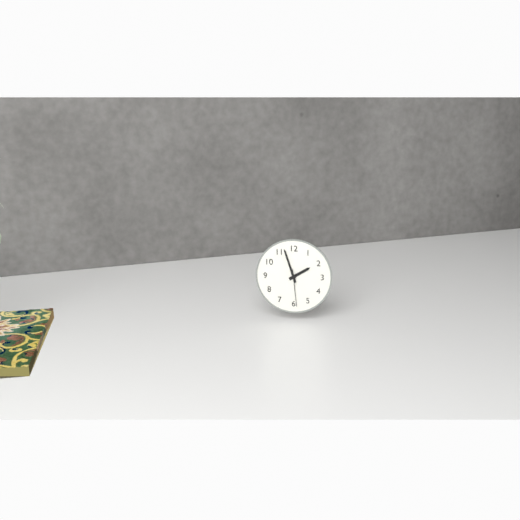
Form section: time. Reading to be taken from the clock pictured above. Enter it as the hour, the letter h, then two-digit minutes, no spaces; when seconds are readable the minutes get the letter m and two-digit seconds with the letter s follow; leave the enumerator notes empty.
1h57
